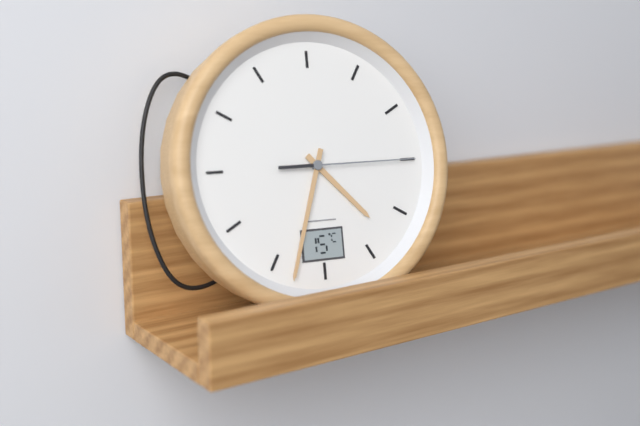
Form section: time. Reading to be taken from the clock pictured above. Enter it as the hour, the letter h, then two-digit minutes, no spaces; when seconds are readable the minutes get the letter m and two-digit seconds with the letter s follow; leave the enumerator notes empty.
4h33m15s
